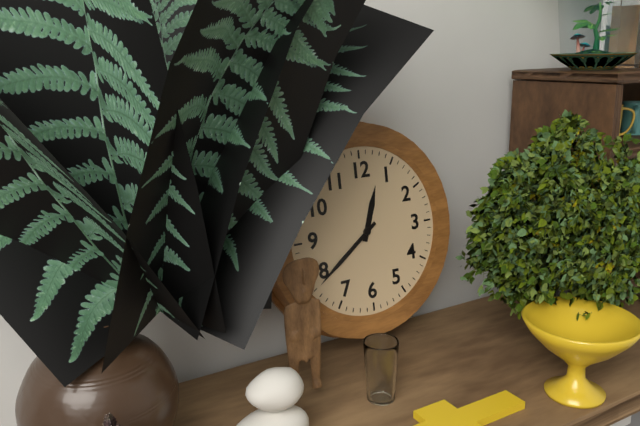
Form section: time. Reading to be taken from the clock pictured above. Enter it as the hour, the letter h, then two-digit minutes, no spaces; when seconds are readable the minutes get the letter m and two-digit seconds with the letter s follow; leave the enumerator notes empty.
12h39
